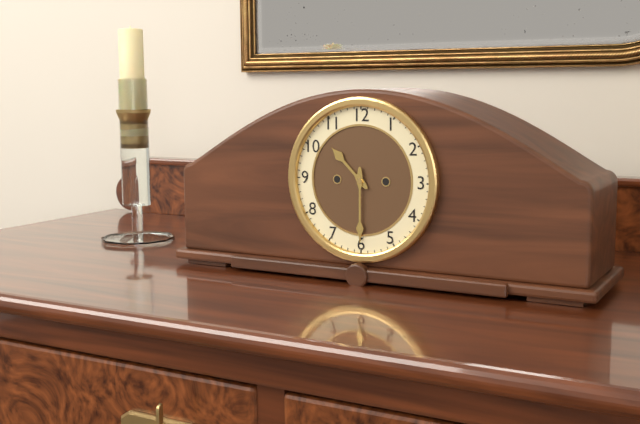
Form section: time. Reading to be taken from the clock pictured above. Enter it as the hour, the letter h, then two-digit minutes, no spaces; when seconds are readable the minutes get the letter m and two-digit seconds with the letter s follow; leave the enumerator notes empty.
10h30
